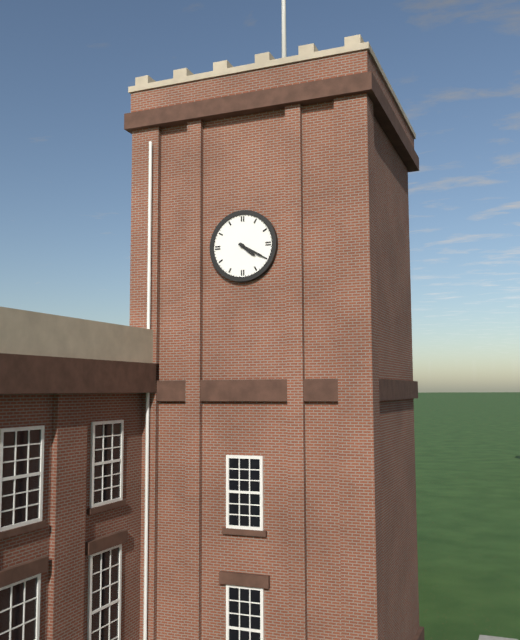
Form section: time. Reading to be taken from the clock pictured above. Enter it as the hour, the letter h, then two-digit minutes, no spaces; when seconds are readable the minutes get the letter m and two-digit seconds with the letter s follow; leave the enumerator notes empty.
4h20
